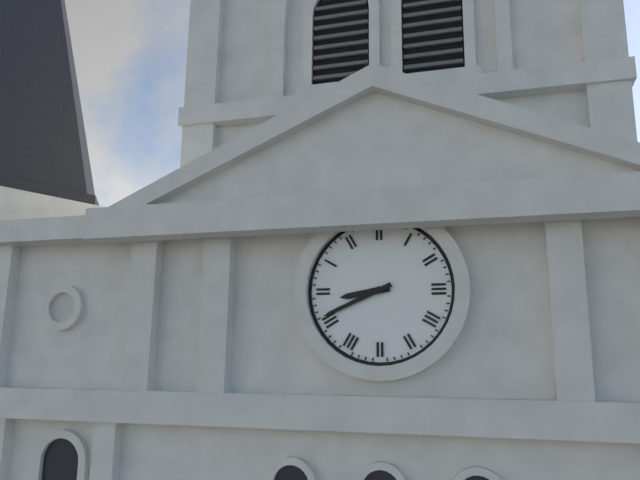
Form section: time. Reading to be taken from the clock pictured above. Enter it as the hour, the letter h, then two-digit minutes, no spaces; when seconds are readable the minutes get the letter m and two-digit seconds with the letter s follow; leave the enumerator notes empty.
8h41
